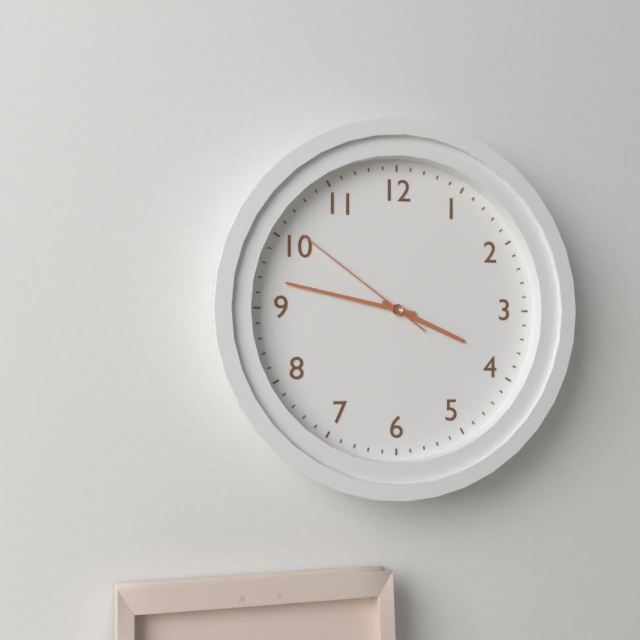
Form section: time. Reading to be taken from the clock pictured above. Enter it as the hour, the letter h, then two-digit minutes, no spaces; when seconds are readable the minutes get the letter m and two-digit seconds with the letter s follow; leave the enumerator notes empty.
3h47m51s
